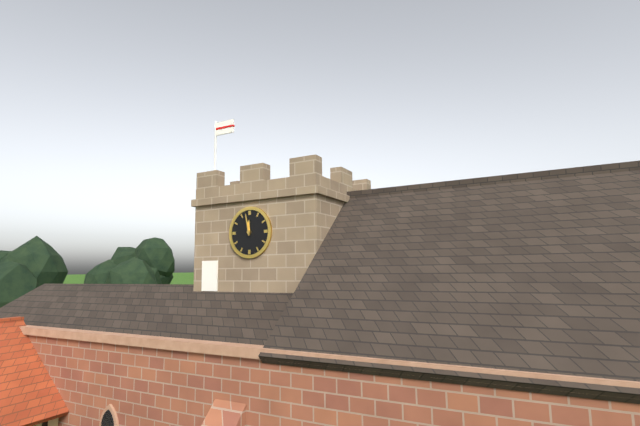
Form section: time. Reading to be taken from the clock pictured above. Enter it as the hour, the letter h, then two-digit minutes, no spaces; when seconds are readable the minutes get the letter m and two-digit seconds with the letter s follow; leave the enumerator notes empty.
11h58
